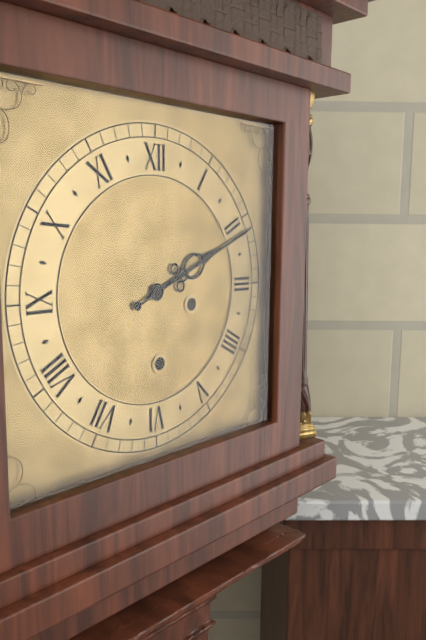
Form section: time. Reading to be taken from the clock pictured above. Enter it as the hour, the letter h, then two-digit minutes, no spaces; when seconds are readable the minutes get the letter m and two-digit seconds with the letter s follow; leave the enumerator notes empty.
2h11
